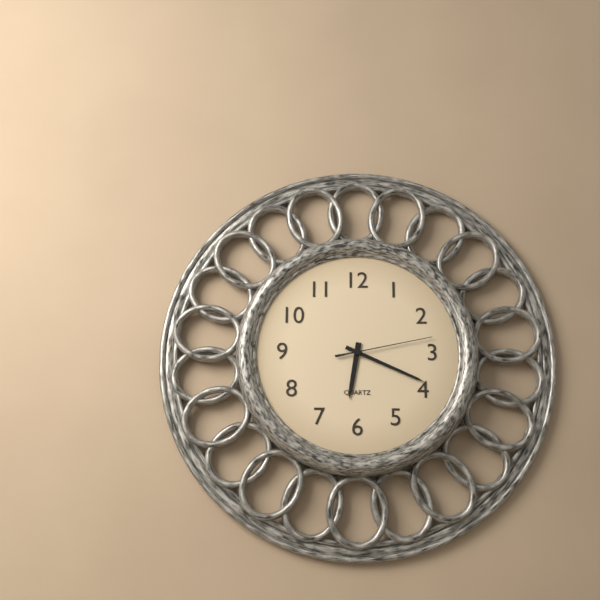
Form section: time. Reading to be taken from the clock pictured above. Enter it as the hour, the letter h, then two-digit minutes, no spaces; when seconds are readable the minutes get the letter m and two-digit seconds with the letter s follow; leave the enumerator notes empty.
6h19m13s
